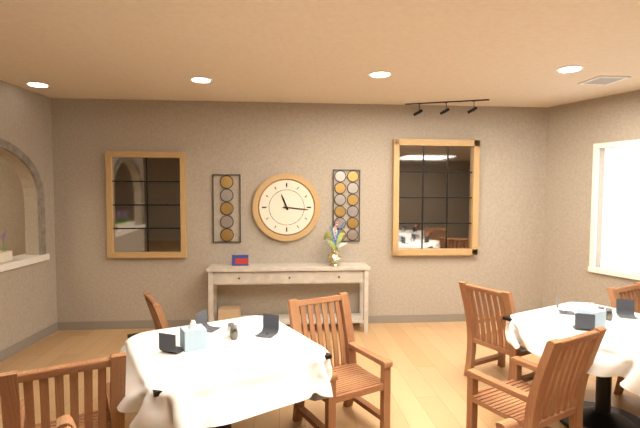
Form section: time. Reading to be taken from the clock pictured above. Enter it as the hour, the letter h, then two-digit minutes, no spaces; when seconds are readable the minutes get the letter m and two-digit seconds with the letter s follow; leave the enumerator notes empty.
11h16
